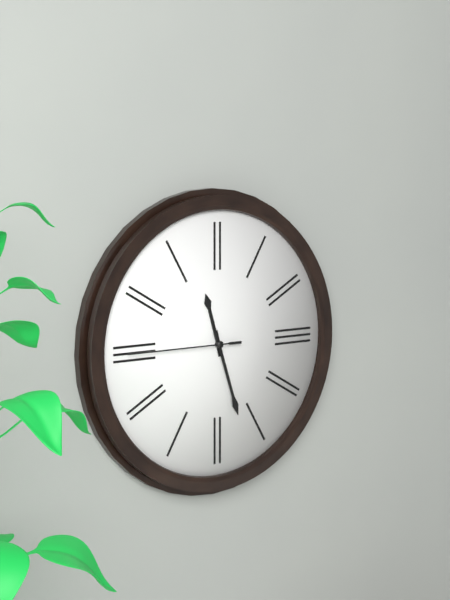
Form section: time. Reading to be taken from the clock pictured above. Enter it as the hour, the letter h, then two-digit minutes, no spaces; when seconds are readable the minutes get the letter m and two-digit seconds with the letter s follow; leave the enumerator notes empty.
11h27m45s
